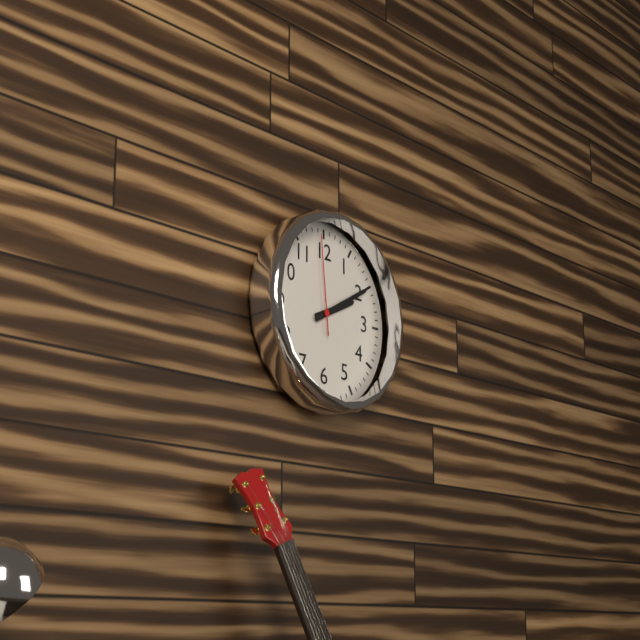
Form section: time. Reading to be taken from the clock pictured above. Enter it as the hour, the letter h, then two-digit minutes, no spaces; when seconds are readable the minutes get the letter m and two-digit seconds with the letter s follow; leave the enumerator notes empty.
2h10m59s
